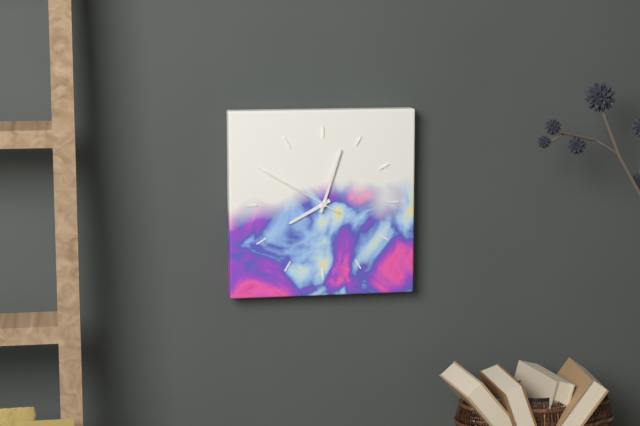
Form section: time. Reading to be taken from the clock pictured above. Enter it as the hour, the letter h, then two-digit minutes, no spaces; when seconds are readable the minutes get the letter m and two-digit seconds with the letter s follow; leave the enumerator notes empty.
8h03m50s
